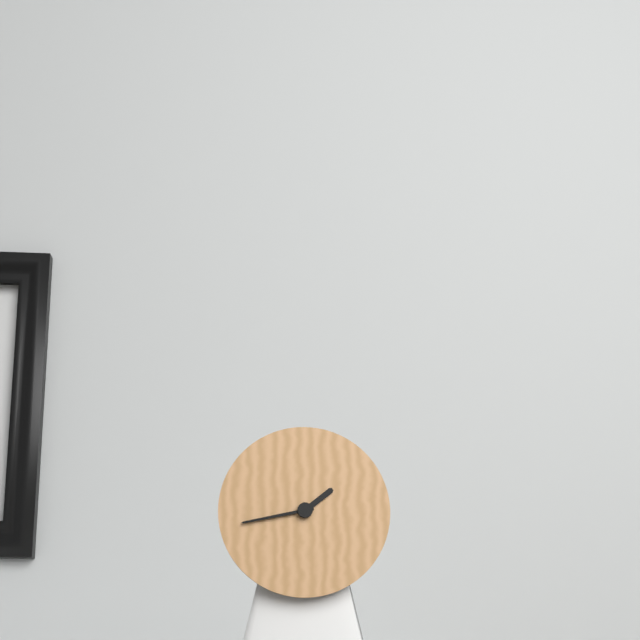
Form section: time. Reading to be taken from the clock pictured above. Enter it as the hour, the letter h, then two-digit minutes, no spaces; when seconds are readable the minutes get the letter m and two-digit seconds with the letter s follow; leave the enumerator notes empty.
1h43
